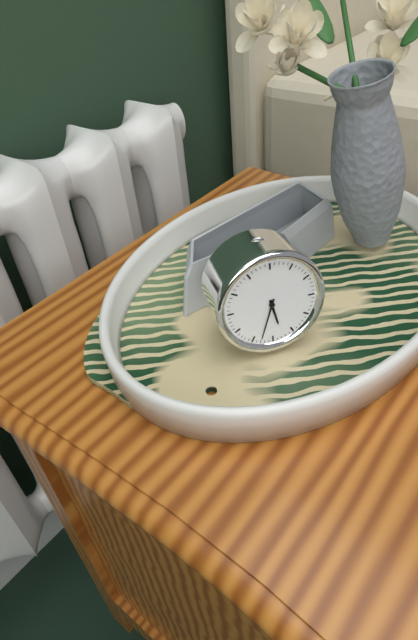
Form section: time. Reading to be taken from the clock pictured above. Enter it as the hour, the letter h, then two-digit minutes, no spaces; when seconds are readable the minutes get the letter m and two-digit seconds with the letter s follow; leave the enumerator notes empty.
5h33
